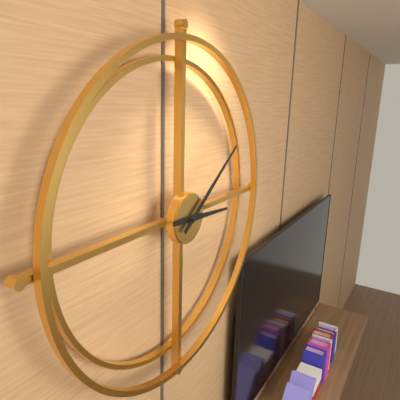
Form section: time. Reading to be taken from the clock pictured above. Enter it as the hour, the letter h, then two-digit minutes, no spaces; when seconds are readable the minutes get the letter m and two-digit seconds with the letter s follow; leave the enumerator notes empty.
3h09
